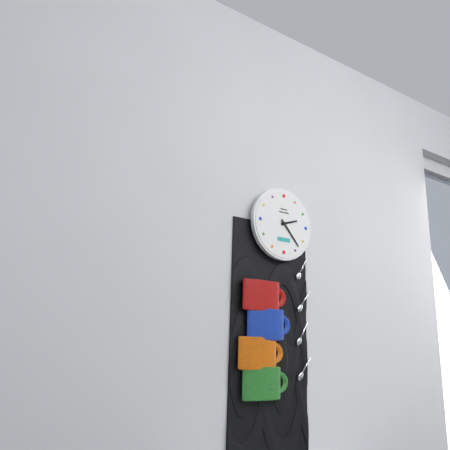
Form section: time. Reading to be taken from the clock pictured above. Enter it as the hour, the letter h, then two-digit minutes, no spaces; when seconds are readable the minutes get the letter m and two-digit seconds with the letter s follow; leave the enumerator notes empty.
2h23
